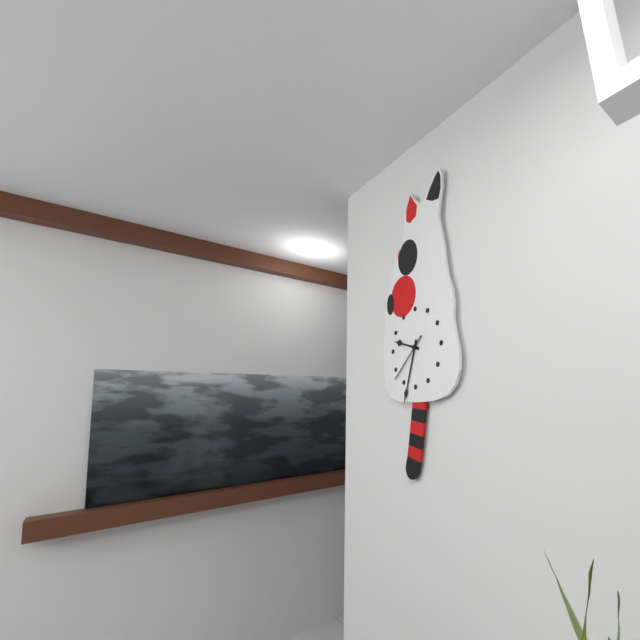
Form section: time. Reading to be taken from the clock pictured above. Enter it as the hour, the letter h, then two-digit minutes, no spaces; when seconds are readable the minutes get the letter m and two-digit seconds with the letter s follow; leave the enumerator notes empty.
9h33m38s
